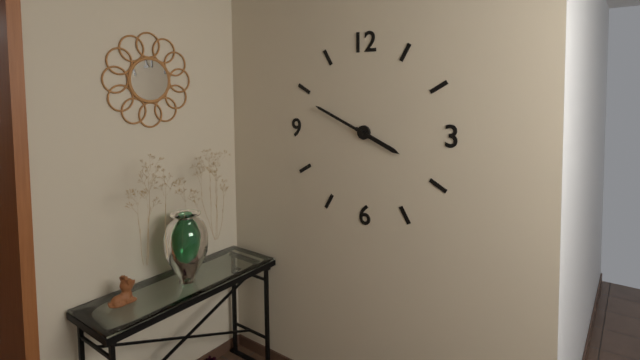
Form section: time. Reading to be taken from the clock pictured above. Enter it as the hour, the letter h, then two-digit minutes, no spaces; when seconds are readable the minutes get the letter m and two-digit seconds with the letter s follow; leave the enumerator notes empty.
3h49
